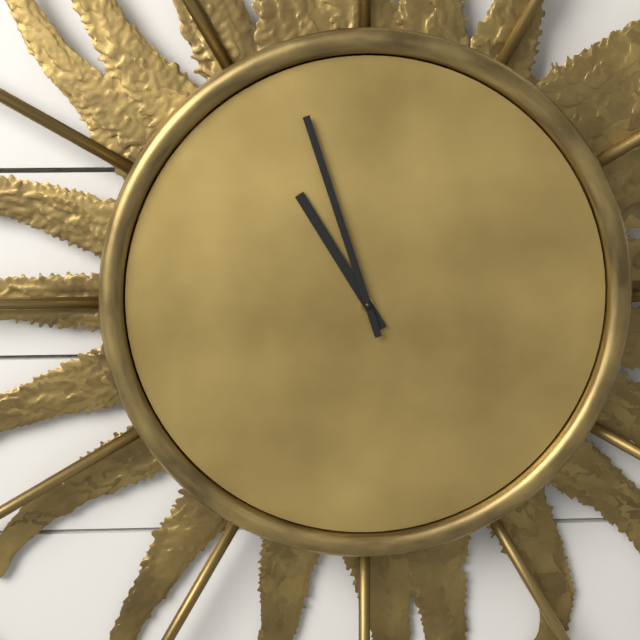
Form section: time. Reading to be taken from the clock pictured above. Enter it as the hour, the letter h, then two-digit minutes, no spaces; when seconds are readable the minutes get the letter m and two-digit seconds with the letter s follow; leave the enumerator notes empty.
10h57
